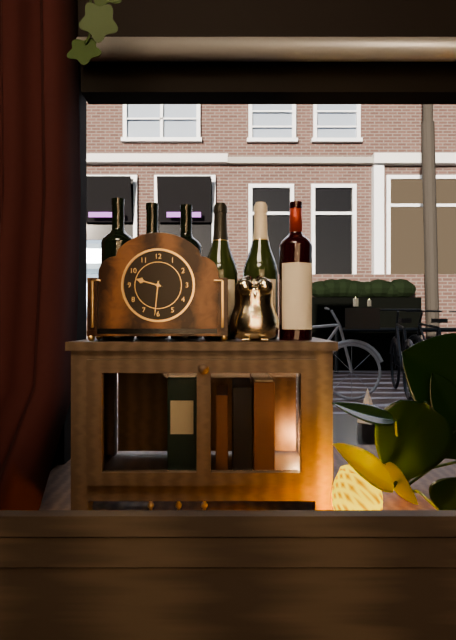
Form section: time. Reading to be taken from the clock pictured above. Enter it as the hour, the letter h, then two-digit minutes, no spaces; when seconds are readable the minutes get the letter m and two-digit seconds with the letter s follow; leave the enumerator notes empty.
9h31
